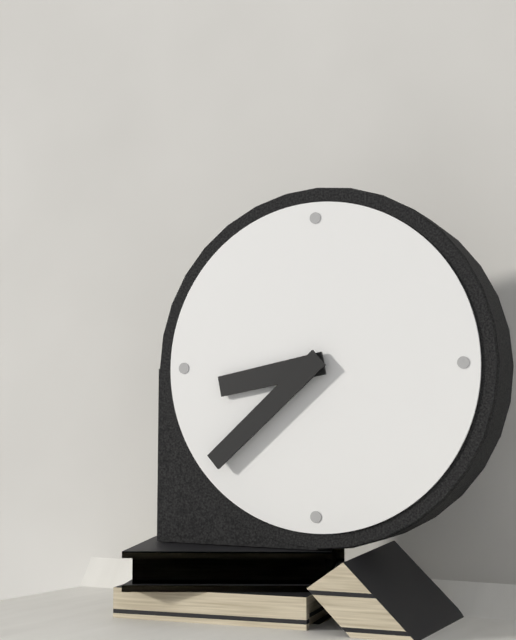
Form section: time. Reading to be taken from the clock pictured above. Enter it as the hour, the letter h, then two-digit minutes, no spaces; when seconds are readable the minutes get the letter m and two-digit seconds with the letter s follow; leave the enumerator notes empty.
8h38
